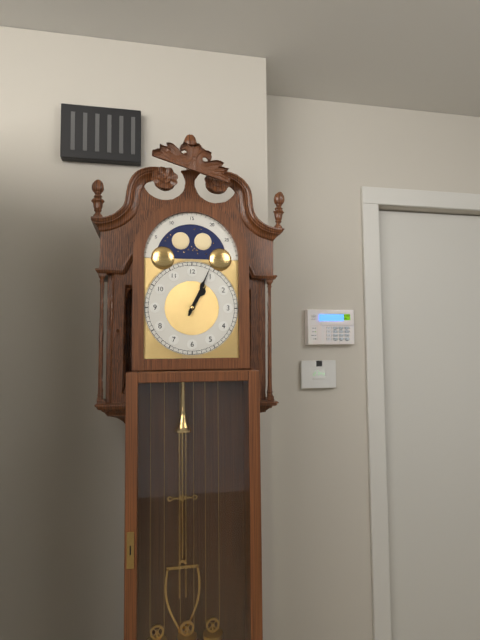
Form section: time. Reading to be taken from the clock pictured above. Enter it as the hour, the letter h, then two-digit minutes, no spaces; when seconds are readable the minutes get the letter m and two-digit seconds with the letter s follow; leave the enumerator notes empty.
1h04
